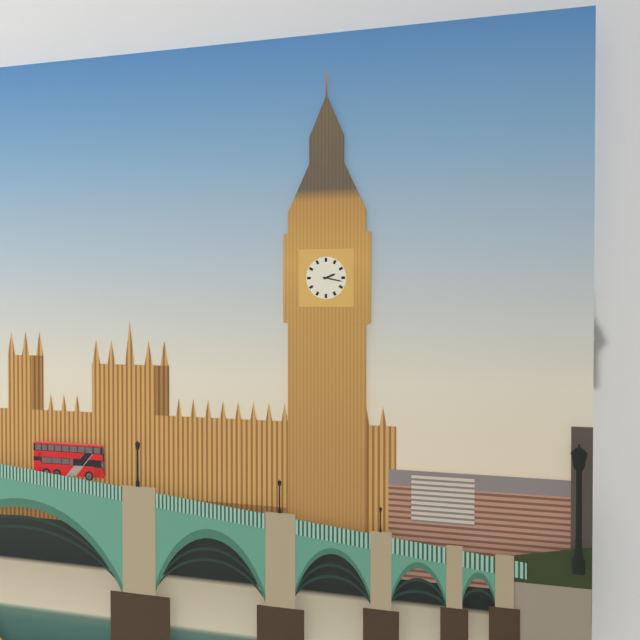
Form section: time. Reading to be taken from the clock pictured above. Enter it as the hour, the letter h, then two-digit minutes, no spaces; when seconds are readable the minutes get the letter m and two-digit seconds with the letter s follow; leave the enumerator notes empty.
2h17
